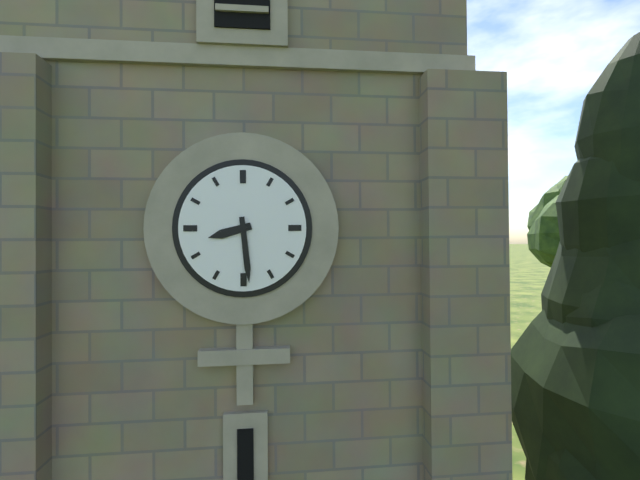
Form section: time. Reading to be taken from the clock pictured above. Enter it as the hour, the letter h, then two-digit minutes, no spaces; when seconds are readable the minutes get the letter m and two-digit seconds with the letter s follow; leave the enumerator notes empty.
8h29
